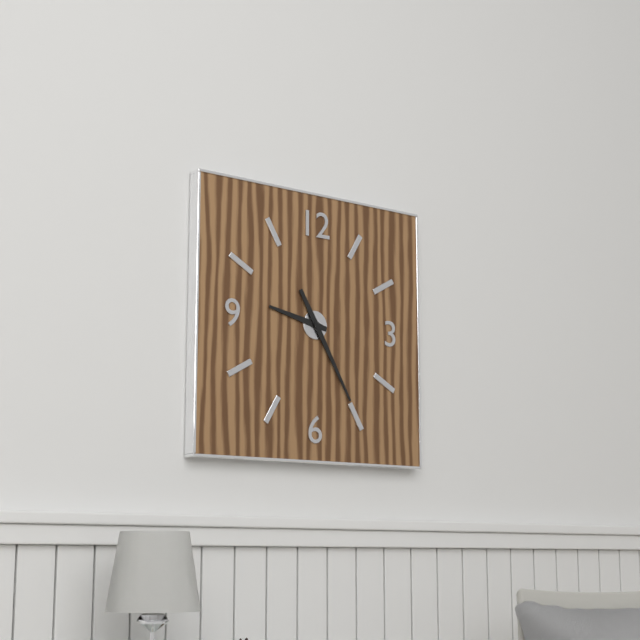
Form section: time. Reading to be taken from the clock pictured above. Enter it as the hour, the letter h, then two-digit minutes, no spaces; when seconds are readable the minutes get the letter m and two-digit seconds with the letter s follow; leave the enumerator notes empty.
9h25
